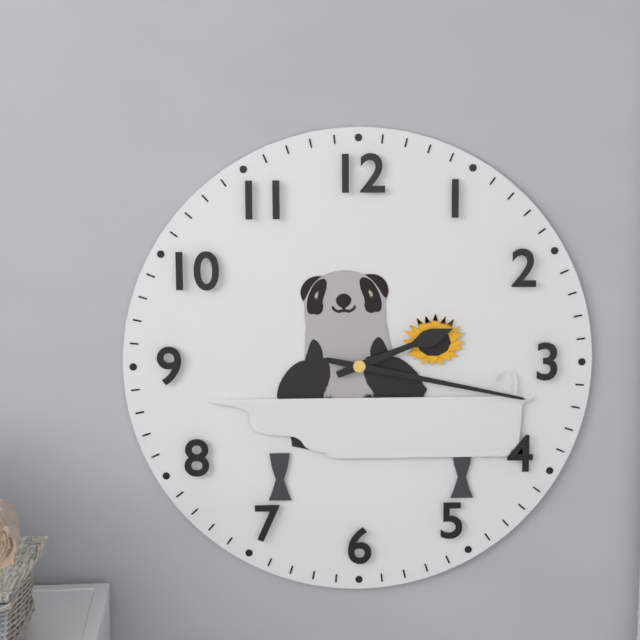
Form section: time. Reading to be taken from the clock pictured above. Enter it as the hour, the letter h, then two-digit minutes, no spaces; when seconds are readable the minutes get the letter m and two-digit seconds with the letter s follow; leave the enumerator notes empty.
2h17
